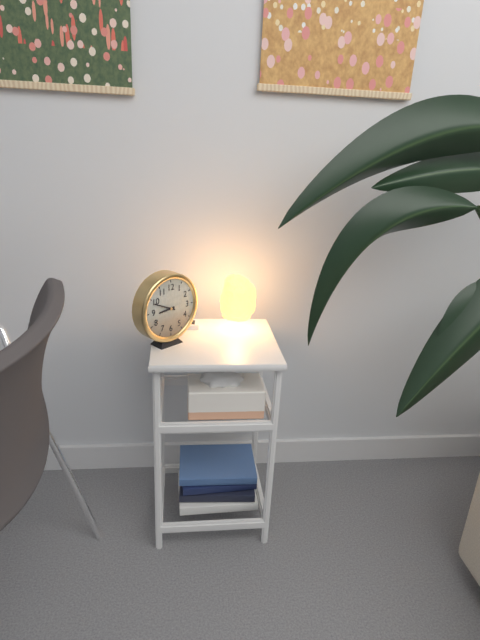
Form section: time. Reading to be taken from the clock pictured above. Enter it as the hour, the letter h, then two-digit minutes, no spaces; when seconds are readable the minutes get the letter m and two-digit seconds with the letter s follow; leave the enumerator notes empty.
8h49
